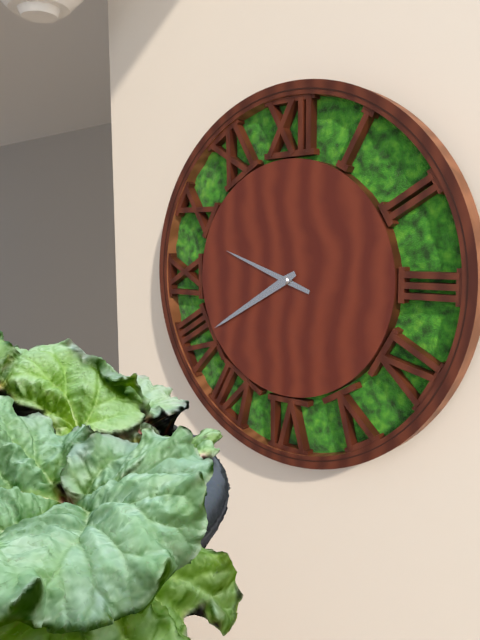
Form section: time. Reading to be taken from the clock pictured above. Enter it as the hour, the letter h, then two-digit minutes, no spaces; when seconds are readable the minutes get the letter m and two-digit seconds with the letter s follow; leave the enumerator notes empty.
9h40
